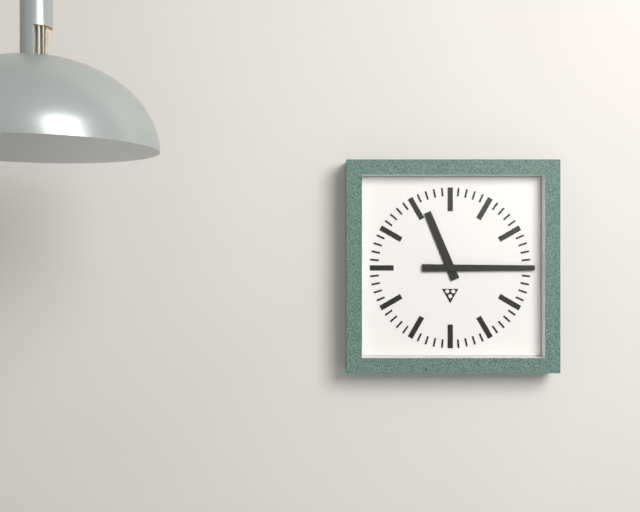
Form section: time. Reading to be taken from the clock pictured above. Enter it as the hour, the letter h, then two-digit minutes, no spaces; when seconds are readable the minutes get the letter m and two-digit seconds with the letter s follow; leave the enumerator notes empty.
11h15
